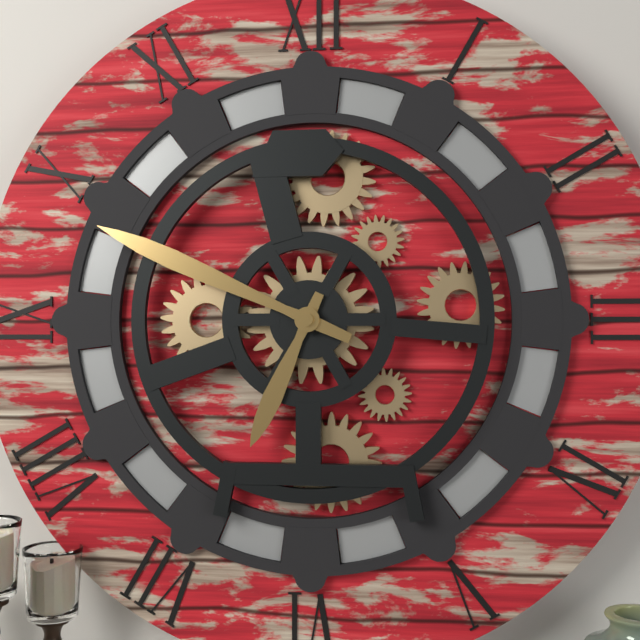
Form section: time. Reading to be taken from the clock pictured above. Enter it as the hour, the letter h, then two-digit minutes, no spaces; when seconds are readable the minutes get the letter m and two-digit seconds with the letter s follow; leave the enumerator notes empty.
6h49
